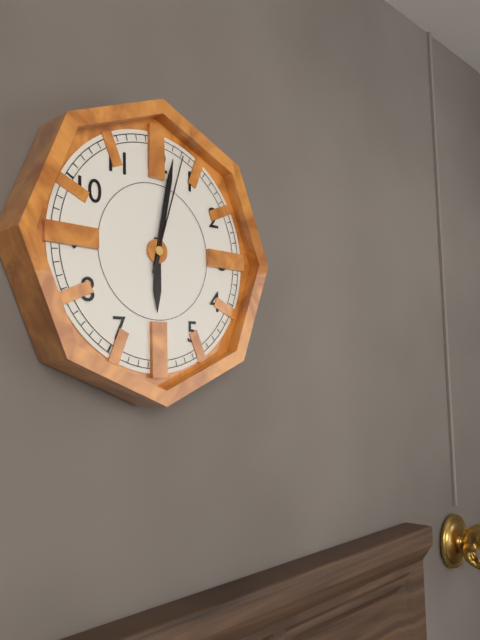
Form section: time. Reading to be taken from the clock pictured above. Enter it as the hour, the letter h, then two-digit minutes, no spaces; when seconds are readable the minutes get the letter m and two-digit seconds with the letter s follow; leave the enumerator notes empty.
6h02m03s
